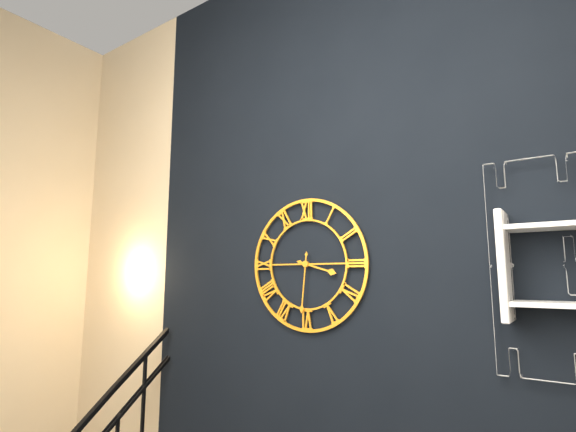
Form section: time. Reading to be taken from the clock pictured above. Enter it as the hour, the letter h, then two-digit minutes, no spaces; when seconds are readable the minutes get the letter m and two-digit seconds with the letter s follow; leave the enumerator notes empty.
3h31
